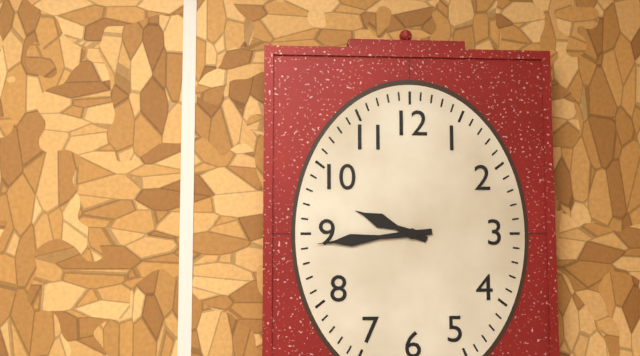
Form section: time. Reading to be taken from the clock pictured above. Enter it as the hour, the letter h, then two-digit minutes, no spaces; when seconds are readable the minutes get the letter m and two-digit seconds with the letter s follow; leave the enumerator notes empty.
9h44
